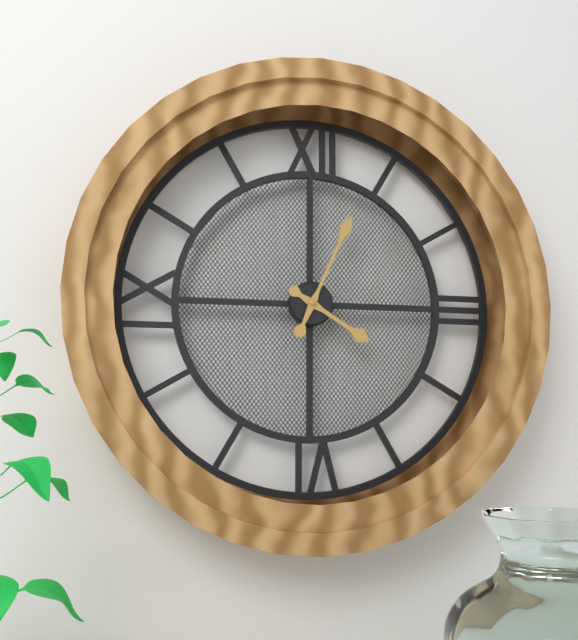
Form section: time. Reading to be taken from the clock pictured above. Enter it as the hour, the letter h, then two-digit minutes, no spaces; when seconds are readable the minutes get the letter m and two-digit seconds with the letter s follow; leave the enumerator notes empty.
4h04
